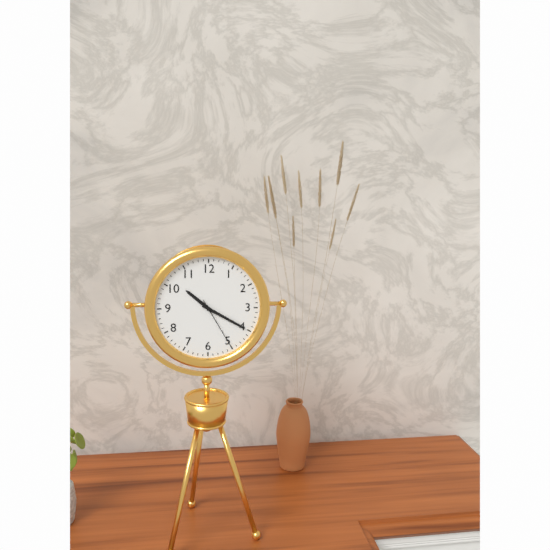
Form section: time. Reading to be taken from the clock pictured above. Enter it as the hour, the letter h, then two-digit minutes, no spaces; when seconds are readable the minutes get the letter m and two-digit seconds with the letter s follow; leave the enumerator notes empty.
10h20m25s
